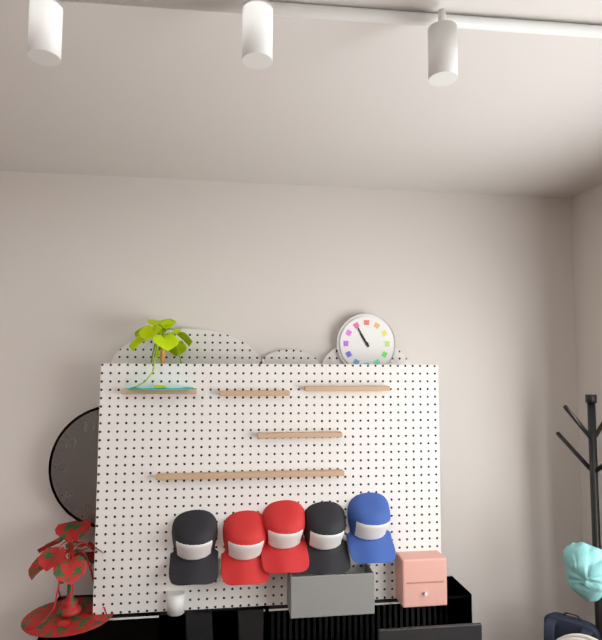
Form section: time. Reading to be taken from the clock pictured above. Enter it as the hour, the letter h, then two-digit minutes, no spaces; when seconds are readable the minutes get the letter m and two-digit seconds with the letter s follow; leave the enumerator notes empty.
10h55
